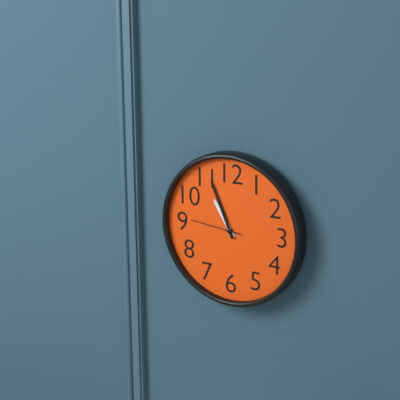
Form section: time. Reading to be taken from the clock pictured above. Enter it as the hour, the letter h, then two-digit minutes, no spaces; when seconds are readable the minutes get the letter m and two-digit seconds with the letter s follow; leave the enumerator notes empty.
10h56m46s
